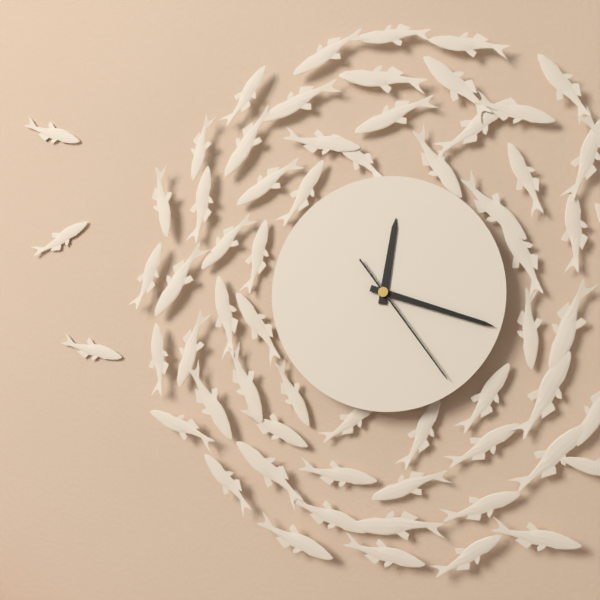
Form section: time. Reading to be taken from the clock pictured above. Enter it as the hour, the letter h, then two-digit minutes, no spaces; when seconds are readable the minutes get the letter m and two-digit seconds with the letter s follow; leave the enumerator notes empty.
12h18m24s
